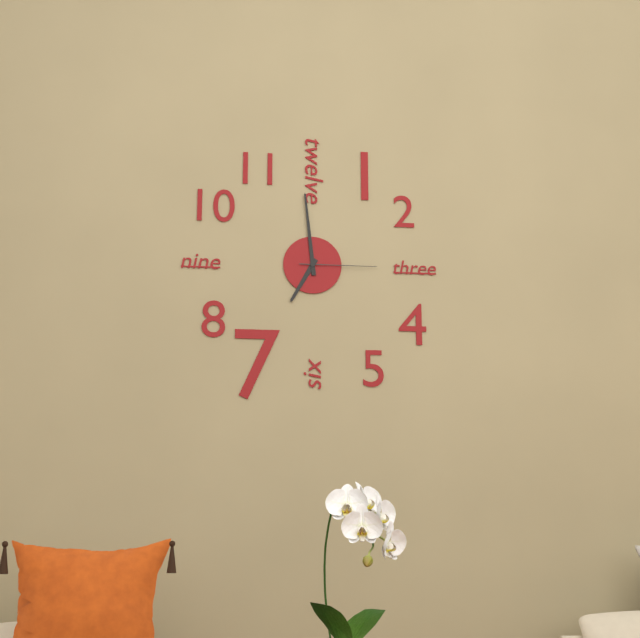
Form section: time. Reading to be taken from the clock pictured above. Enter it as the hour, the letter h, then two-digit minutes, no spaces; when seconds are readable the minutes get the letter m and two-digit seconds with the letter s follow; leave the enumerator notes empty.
6h59m15s
